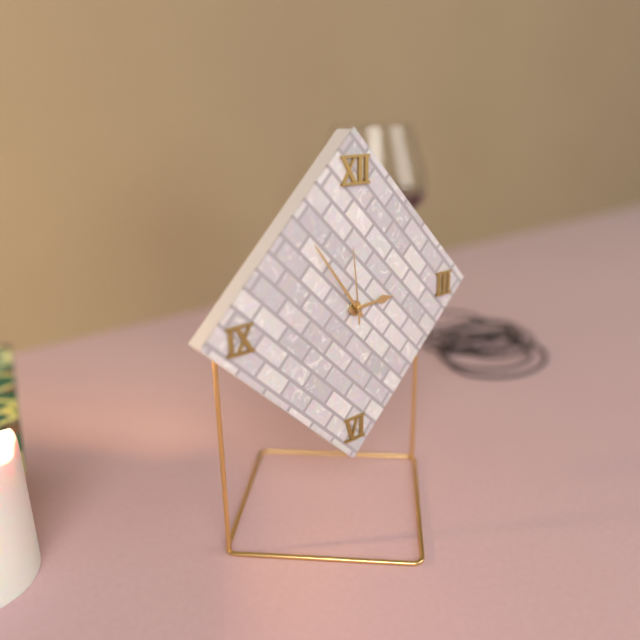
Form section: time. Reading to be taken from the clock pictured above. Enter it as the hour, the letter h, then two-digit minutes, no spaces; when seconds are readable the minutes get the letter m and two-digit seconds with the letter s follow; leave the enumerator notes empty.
2h54m59s
